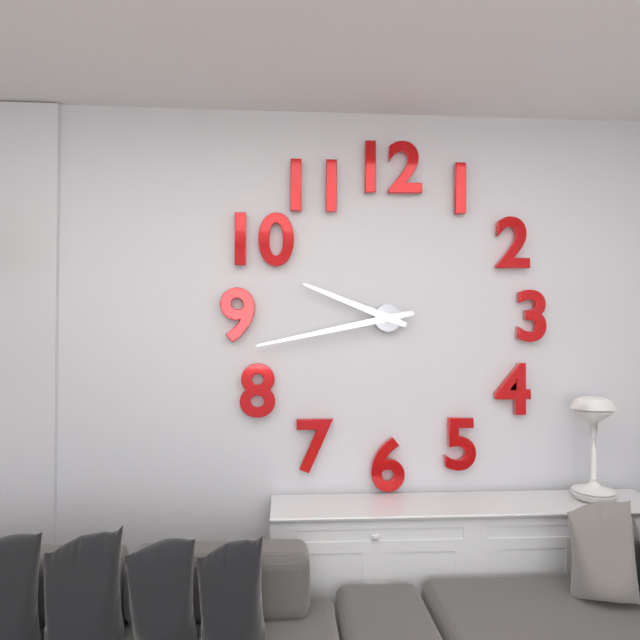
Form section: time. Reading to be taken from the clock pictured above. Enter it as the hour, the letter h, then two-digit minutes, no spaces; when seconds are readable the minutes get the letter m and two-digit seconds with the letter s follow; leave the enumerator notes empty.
9h43
